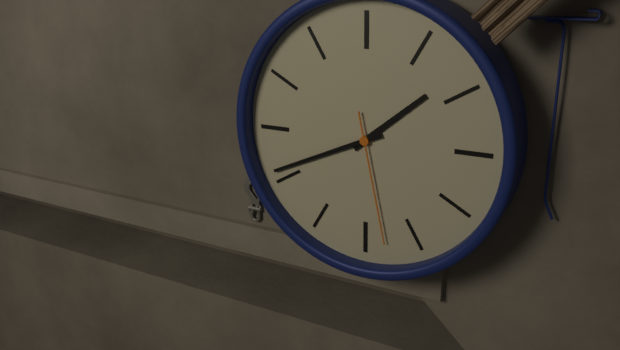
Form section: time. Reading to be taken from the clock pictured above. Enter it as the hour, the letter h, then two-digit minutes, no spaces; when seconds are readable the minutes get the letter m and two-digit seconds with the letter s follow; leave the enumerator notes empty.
1h41m28s
